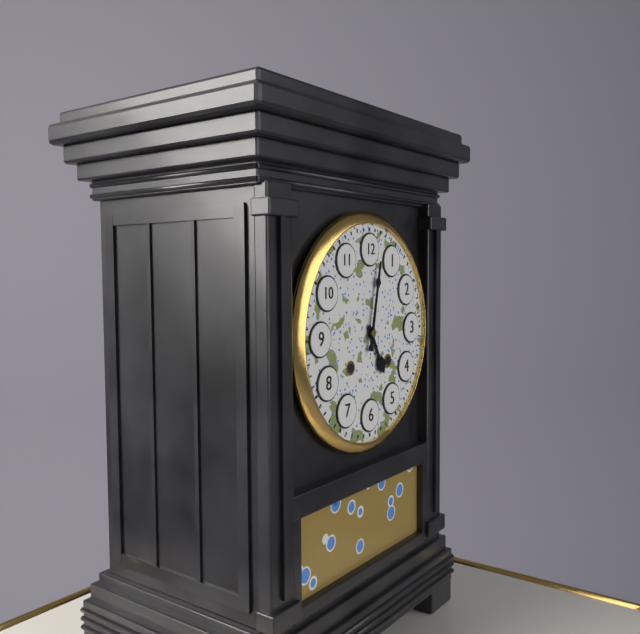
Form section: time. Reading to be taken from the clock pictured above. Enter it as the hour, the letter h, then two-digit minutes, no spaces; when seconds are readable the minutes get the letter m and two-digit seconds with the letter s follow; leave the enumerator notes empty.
5h02
